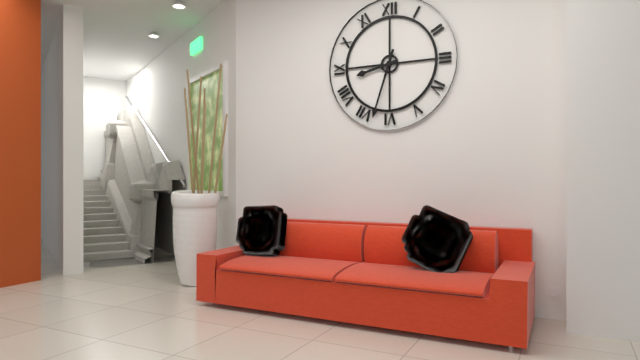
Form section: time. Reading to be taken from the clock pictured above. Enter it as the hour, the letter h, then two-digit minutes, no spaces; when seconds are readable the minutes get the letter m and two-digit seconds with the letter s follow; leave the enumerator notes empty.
8h33
